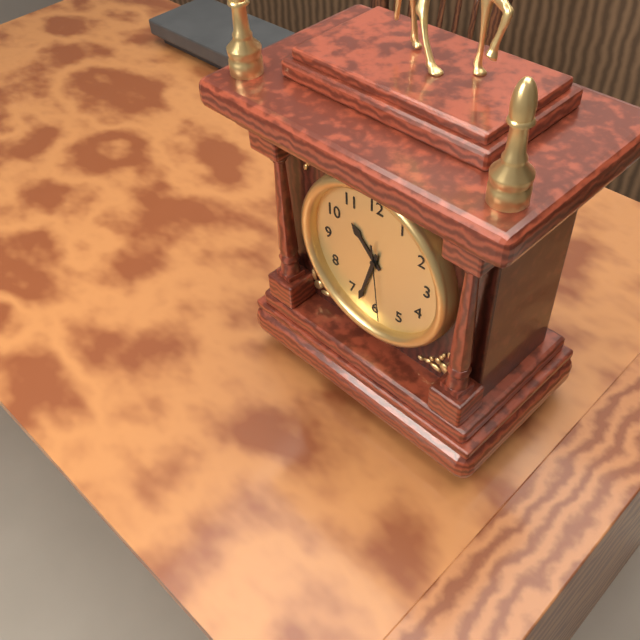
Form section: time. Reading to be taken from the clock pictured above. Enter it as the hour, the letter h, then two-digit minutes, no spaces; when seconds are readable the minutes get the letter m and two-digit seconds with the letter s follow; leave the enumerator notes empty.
10h33m29s
